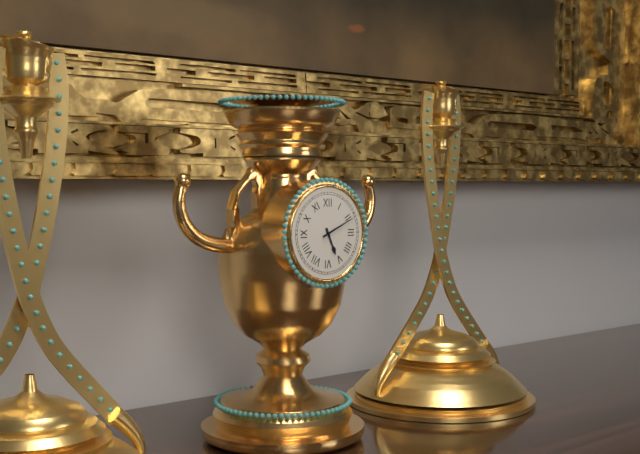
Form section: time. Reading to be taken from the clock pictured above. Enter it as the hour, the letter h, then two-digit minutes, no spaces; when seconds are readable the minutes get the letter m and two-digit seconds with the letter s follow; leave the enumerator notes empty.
5h11
